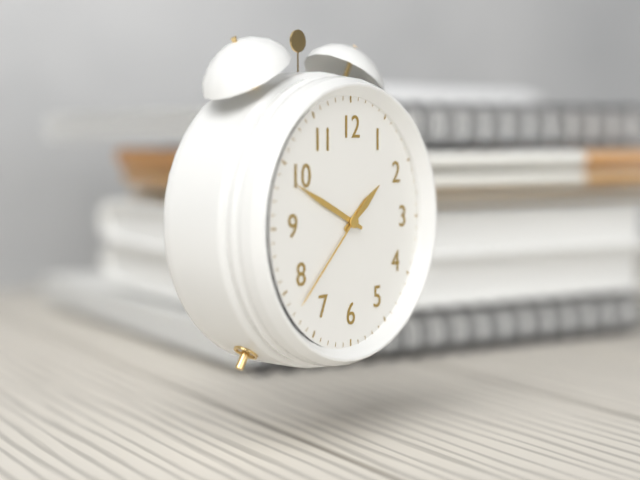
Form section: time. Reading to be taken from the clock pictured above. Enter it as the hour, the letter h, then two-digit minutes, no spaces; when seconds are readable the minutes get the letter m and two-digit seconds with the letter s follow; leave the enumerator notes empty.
1h49m38s
